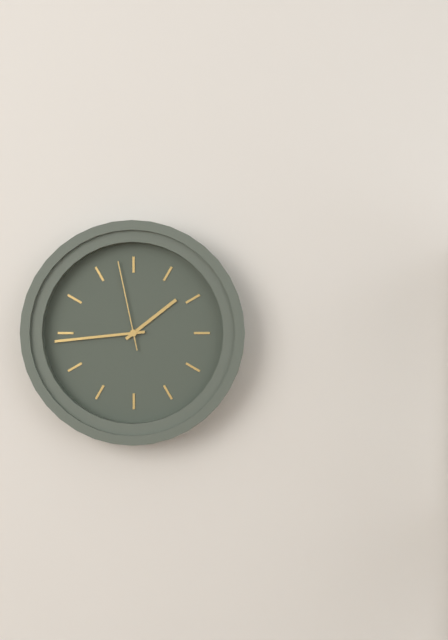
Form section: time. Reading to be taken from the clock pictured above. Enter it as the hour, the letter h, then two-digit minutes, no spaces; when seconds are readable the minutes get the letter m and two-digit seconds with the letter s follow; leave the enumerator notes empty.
1h44m58s
